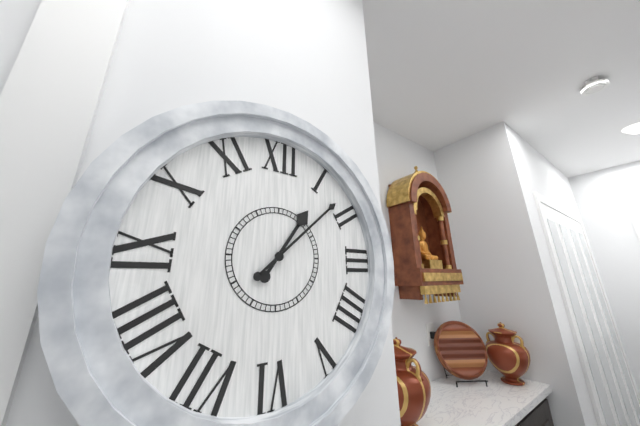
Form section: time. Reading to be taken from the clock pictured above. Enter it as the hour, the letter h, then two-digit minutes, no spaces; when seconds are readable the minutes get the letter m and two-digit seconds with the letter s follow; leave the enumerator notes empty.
1h08
